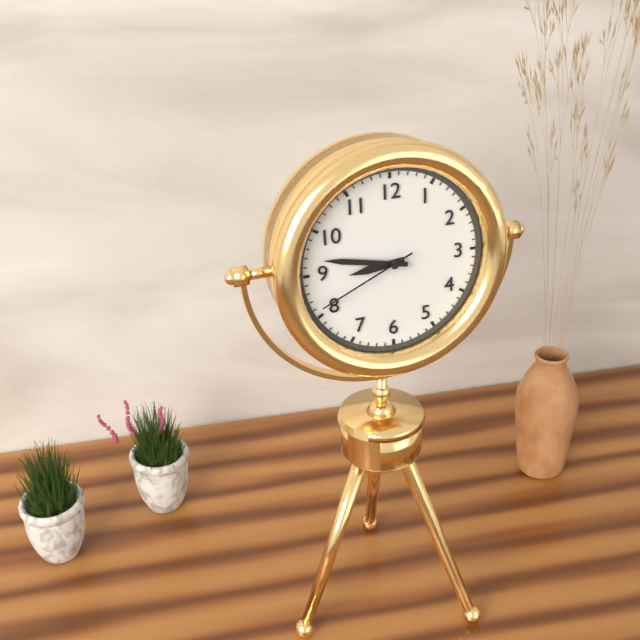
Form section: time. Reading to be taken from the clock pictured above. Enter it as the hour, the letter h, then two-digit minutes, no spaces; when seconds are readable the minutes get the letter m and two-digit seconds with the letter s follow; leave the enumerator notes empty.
8h47m41s
